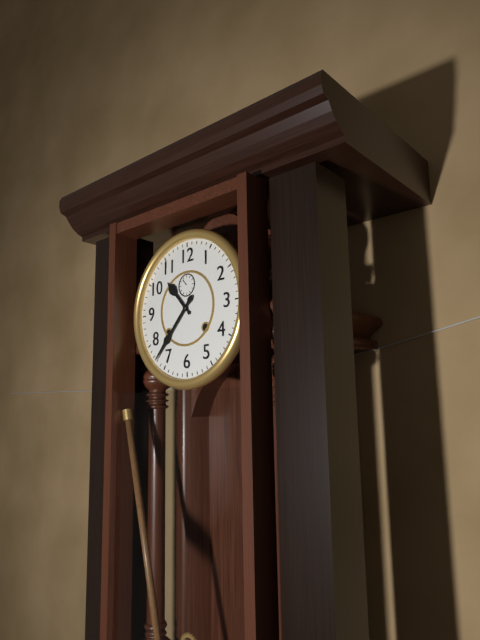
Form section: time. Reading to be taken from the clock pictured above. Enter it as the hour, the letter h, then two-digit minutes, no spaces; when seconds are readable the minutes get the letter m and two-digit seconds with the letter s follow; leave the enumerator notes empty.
10h37
